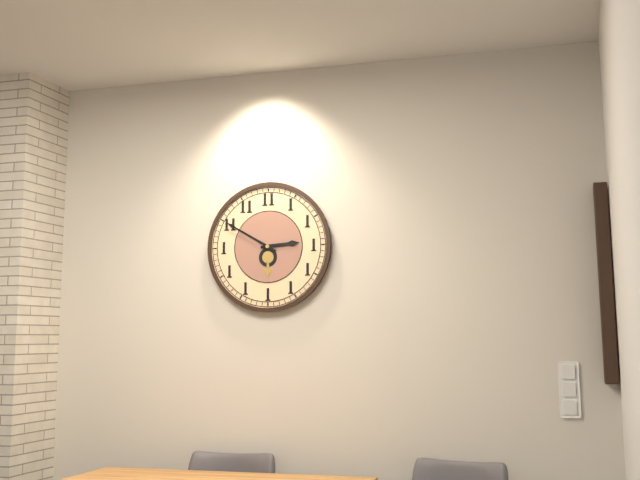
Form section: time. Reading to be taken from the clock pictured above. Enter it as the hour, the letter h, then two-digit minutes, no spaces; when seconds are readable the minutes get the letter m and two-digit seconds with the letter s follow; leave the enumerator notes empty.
2h50
